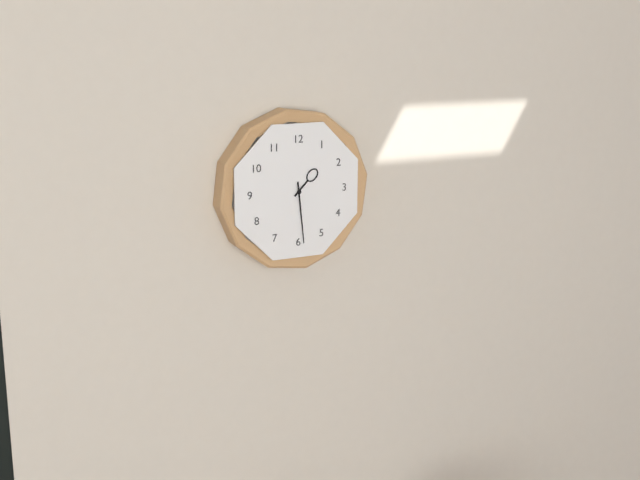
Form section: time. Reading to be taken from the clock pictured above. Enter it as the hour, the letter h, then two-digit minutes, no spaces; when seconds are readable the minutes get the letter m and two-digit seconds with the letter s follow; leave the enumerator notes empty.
1h29
